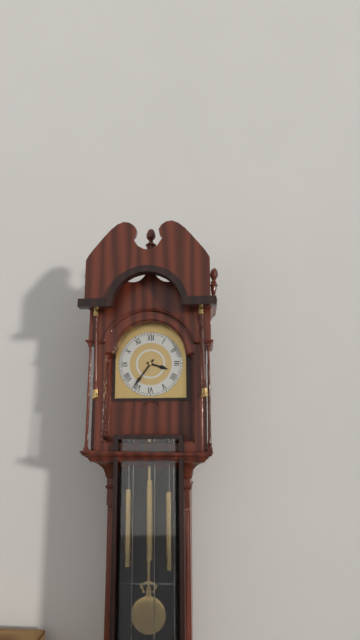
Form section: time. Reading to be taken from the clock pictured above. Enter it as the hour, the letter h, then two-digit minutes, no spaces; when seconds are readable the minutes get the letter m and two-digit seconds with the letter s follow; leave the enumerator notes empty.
3h36
